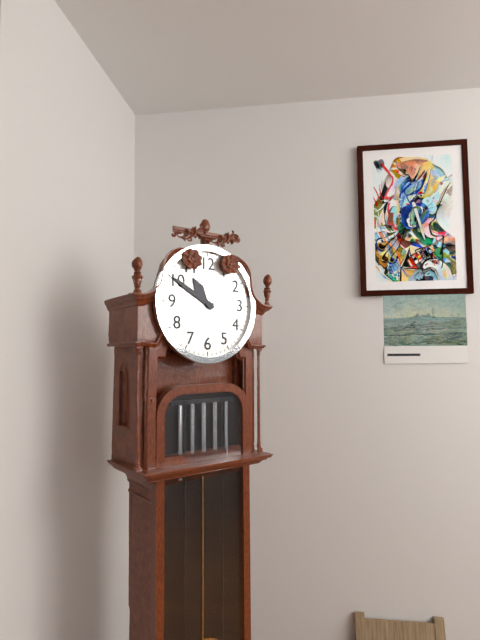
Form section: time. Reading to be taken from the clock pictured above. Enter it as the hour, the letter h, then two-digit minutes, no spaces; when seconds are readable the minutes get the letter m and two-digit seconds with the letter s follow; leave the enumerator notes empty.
10h50
